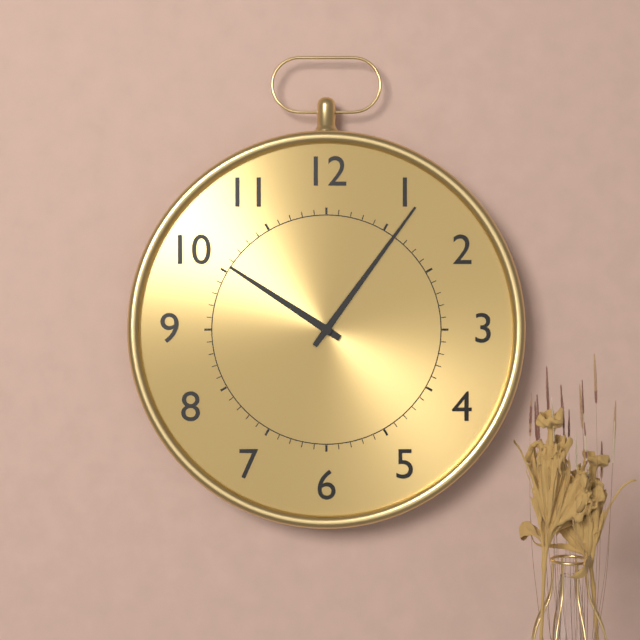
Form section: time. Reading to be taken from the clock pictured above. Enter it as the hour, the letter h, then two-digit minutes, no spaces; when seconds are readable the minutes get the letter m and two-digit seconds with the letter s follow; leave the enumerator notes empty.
10h06
